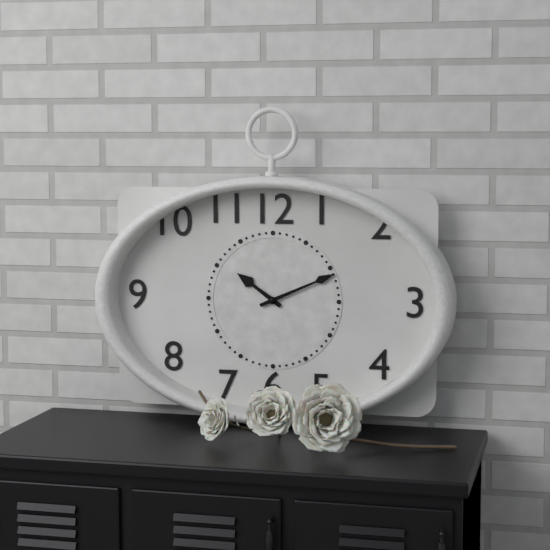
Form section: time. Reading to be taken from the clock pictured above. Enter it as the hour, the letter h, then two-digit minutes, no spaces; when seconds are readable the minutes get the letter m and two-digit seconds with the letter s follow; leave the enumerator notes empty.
10h11
